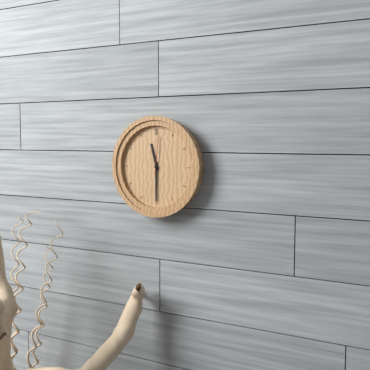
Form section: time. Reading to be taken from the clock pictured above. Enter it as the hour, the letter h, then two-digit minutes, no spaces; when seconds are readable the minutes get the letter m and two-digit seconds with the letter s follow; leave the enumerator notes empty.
11h30
